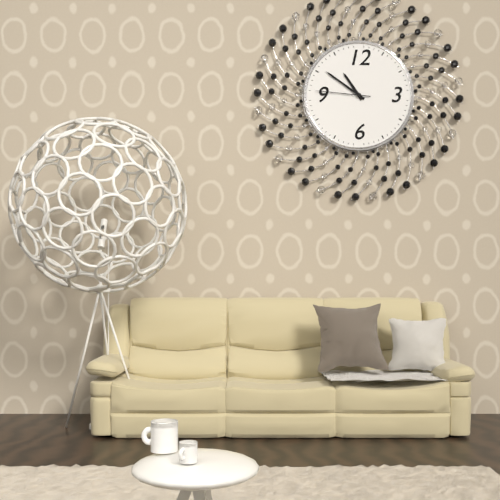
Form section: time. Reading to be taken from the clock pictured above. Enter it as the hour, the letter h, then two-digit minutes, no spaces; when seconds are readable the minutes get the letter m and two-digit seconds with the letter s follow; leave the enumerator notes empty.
10h51m46s
